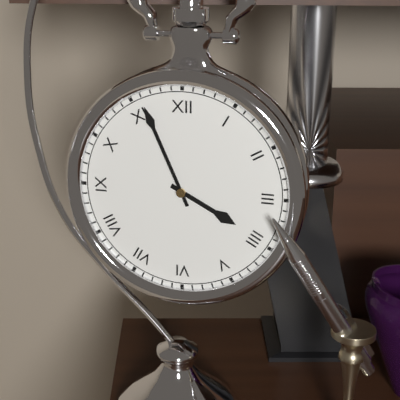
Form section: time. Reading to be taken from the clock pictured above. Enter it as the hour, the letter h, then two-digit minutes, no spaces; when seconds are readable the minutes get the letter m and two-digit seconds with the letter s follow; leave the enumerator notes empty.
3h56
